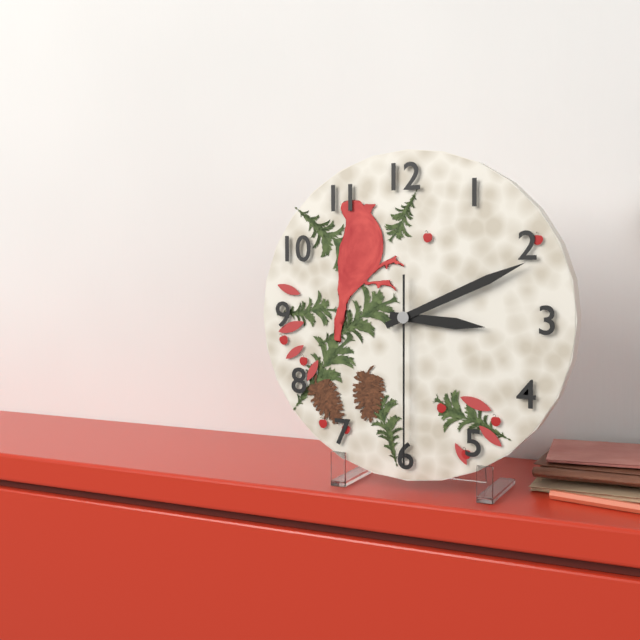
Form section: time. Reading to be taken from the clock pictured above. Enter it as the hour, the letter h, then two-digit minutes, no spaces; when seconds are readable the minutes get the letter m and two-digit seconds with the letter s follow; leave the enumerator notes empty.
3h11m30s
